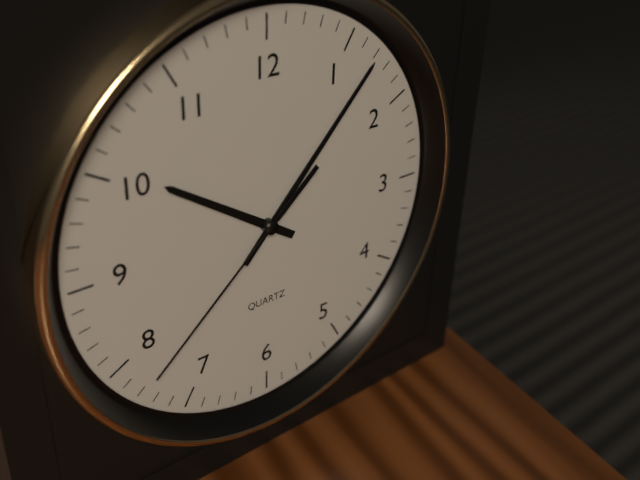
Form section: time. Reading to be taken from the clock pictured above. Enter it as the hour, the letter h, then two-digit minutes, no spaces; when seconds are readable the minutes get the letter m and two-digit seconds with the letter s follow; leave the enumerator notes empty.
10h07m38s
